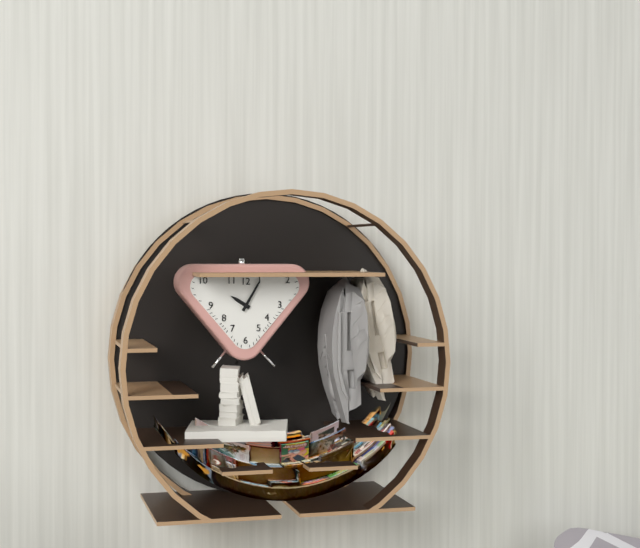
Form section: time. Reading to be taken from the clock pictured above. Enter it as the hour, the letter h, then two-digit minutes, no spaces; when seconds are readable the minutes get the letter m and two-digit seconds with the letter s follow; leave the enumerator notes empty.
10h05
